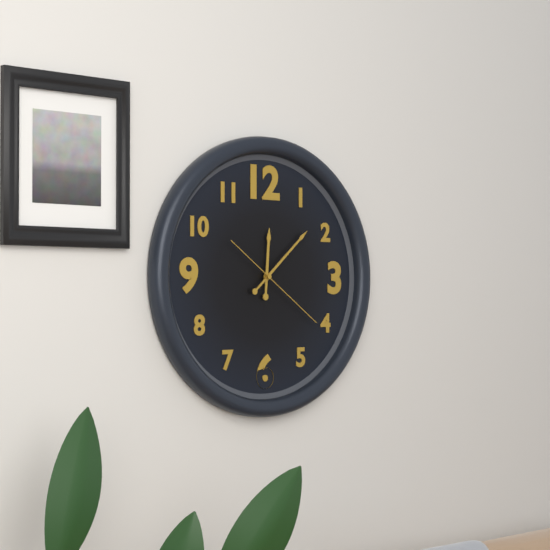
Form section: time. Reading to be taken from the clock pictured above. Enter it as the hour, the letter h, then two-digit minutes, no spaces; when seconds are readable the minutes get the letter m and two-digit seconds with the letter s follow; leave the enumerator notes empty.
12h08m21s
